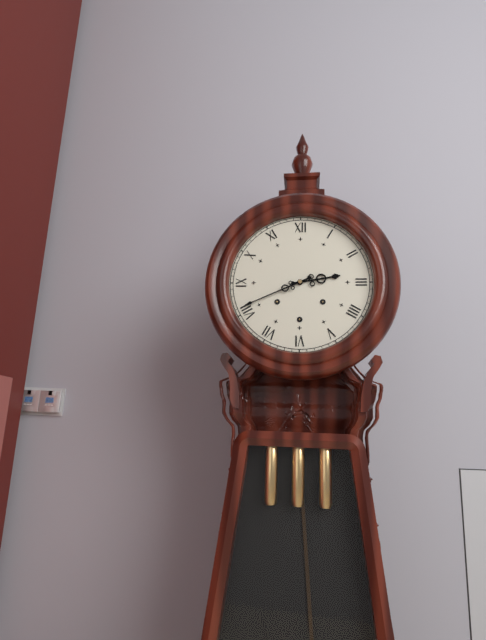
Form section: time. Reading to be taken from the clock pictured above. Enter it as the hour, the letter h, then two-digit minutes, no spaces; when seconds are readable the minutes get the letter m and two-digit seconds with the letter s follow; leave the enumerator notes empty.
2h41
